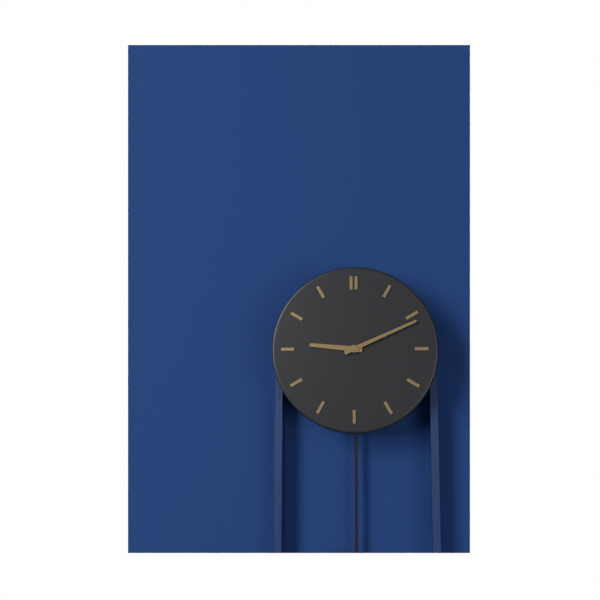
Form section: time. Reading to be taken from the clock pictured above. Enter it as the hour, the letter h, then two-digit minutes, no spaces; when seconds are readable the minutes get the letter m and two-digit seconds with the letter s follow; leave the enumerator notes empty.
9h11
